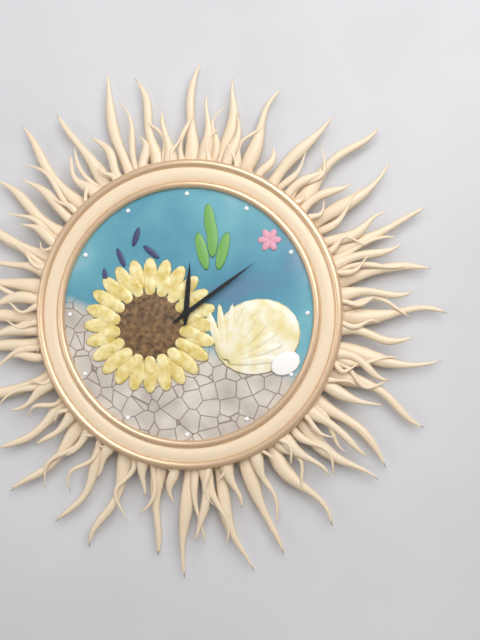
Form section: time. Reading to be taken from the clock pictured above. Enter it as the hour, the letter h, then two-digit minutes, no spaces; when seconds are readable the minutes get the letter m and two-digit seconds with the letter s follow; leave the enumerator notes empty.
12h09
